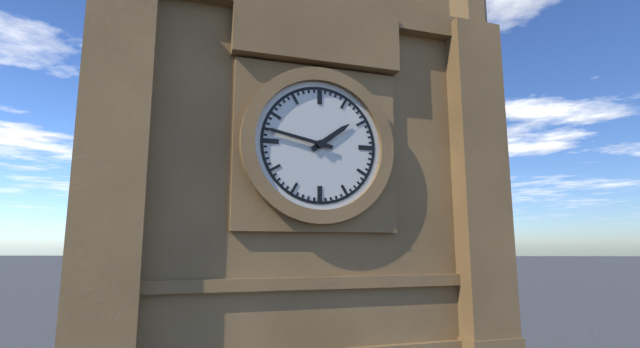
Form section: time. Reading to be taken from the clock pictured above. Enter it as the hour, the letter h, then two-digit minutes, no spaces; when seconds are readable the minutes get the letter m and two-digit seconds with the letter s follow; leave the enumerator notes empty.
1h47
